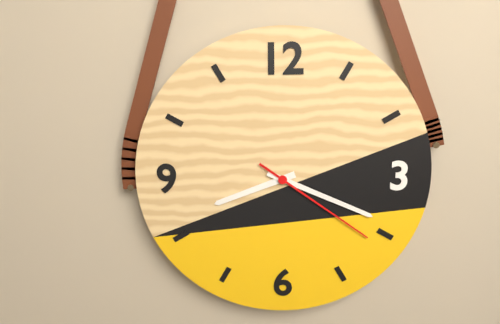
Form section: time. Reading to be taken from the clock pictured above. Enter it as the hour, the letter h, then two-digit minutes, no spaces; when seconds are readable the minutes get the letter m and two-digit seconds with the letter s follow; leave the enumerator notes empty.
8h19m21s
